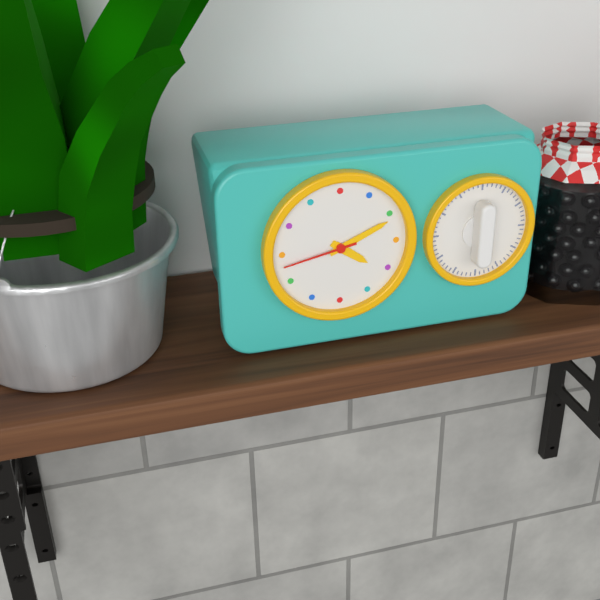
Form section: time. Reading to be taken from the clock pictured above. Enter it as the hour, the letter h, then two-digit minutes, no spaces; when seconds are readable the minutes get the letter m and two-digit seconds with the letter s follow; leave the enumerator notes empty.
4h11m43s
